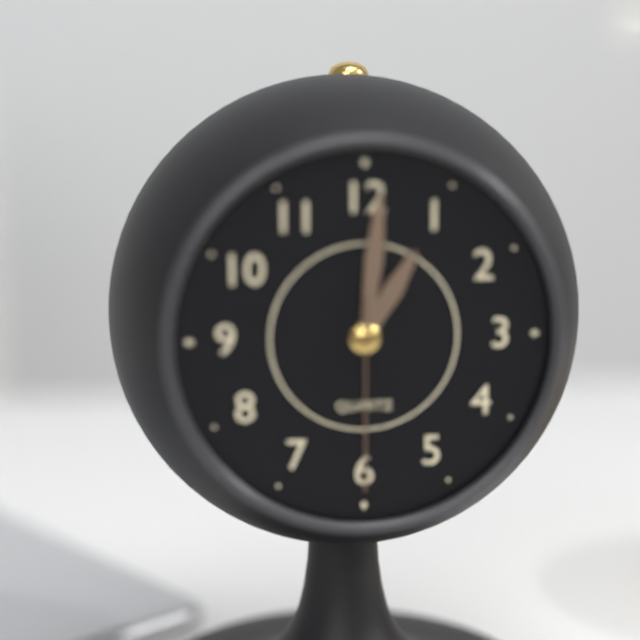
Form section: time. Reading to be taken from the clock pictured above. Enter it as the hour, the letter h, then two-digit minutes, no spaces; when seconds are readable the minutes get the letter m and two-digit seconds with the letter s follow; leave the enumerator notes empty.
1h01m30s
